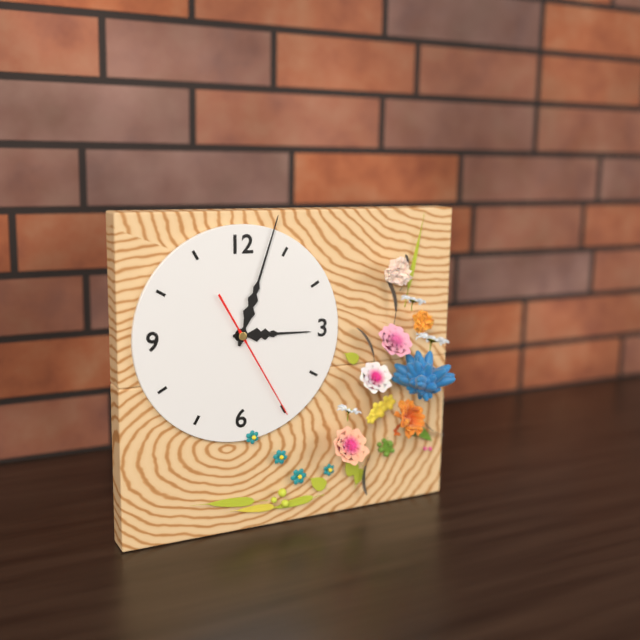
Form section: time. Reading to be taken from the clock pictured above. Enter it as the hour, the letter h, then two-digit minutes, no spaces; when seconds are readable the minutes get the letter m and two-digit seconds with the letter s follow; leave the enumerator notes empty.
3h03m25s
